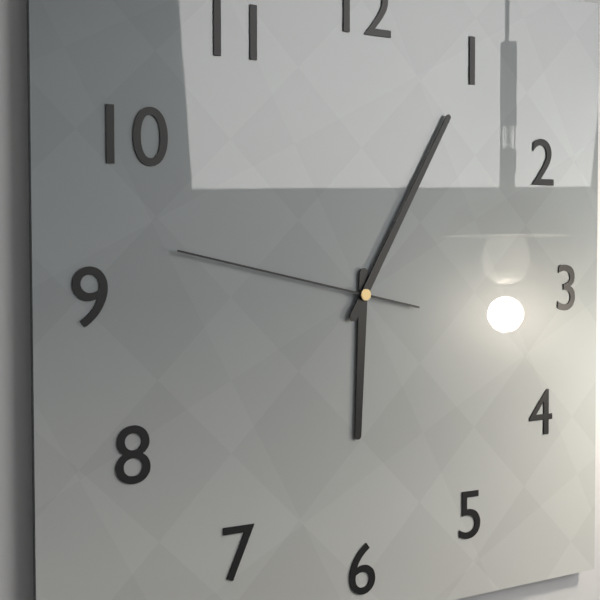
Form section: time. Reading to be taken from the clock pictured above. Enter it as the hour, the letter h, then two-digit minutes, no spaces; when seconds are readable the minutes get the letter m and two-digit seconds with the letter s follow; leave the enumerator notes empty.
6h05m47s
